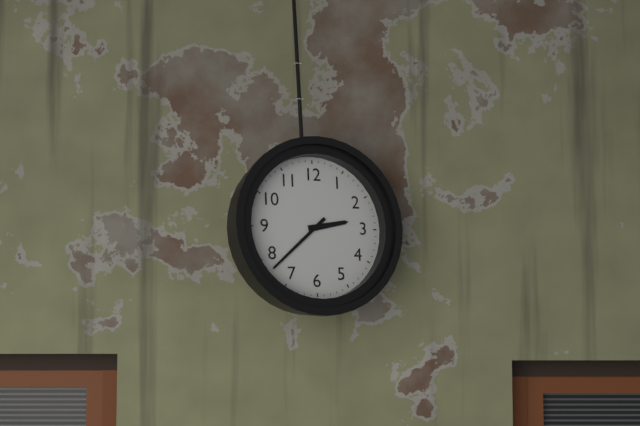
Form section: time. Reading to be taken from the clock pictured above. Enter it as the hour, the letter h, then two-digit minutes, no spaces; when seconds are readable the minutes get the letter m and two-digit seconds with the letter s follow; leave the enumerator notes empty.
2h38
